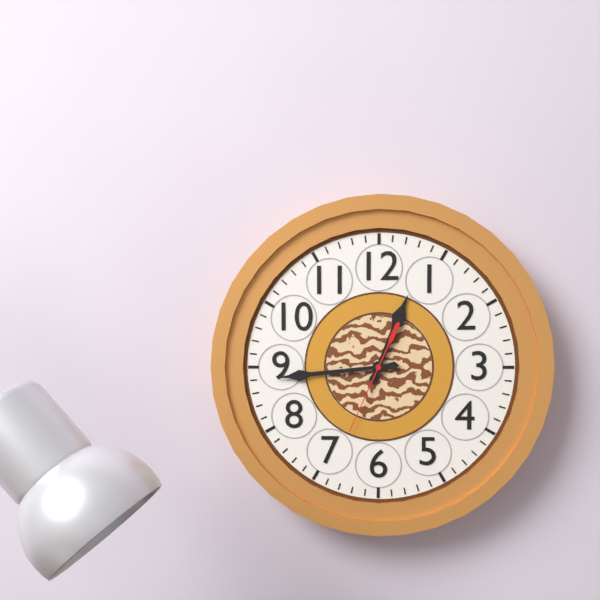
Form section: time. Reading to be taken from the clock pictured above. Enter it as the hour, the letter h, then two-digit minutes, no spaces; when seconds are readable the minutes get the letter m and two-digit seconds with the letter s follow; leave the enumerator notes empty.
12h44m34s
